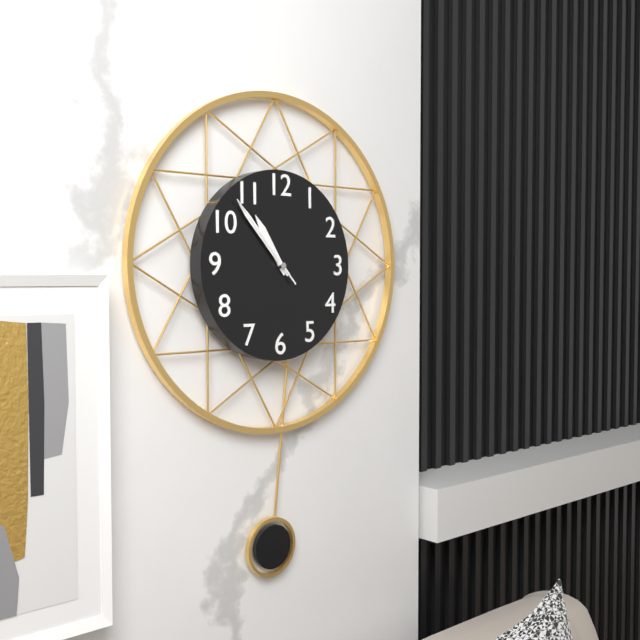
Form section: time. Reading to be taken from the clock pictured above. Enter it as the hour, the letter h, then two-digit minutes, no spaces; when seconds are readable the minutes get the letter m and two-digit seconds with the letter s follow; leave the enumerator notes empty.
10h53m53s
